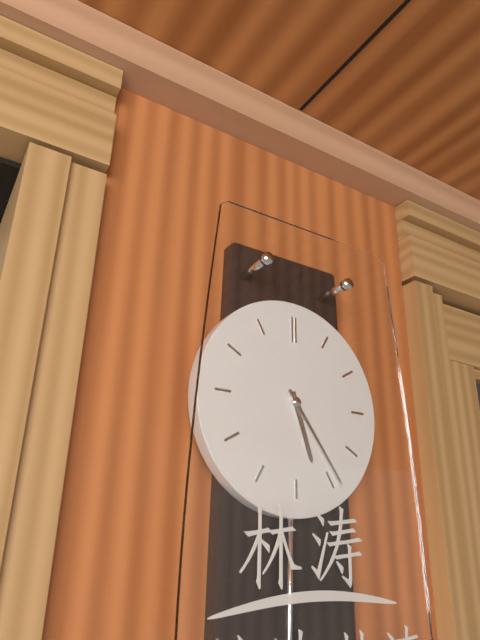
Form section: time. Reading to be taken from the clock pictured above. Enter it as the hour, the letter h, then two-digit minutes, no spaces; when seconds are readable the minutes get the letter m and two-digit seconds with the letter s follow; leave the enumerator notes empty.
5h24
